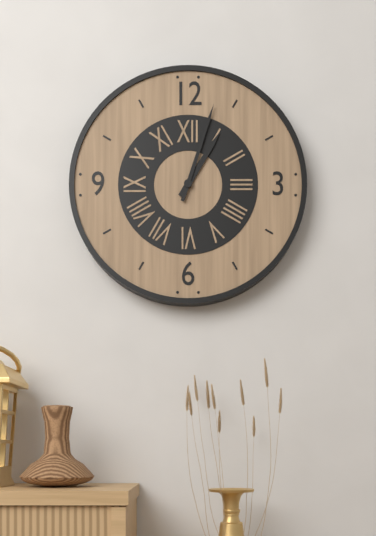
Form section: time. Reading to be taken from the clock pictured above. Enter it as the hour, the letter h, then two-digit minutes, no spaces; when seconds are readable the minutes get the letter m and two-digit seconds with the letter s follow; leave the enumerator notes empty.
1h03
